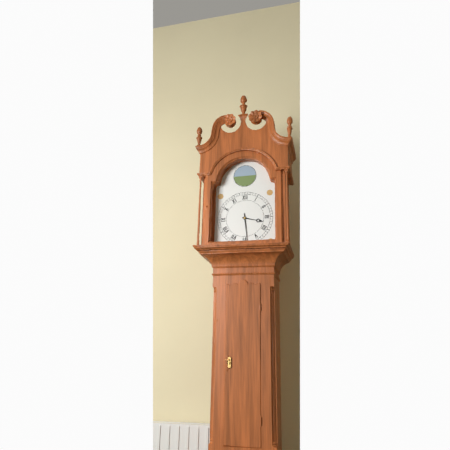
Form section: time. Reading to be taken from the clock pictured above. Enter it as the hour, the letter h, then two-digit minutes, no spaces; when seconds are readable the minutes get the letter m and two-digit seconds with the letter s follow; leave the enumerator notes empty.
3h29
